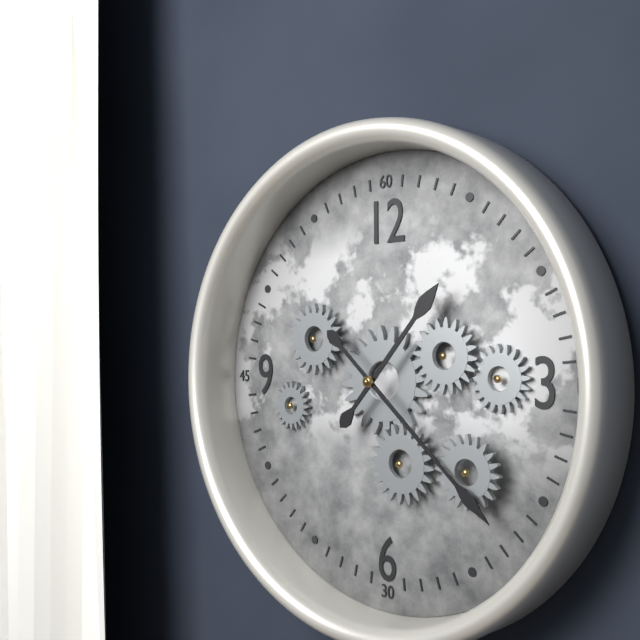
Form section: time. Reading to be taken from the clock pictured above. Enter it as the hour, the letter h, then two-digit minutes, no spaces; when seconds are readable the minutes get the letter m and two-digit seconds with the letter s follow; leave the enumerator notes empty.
1h22
